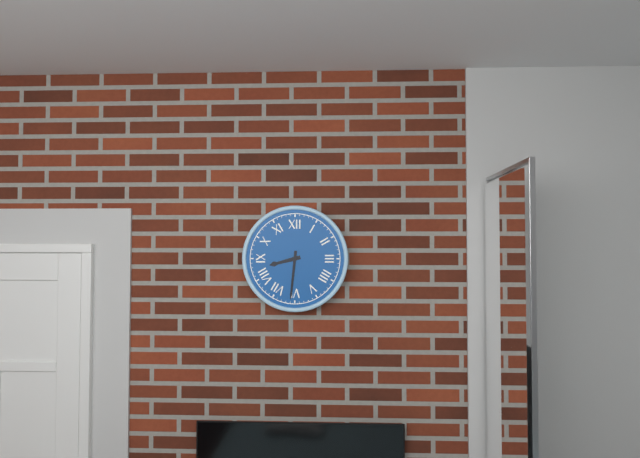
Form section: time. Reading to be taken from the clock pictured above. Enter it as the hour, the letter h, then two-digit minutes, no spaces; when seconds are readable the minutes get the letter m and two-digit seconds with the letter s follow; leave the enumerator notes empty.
8h31
